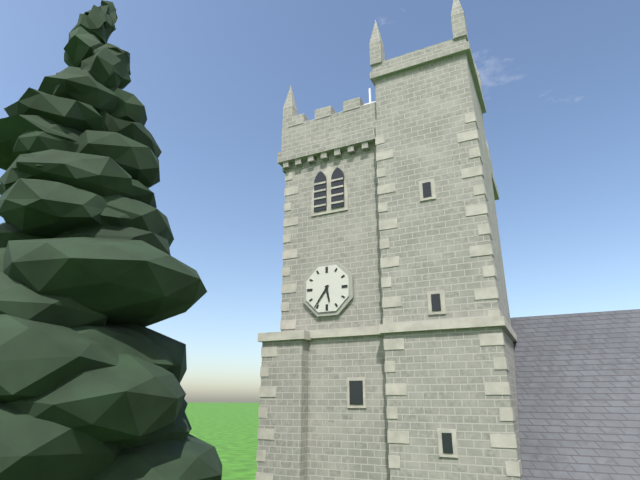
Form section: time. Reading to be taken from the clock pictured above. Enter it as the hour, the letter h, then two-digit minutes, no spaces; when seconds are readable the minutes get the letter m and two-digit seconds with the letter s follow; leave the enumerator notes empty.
5h36
